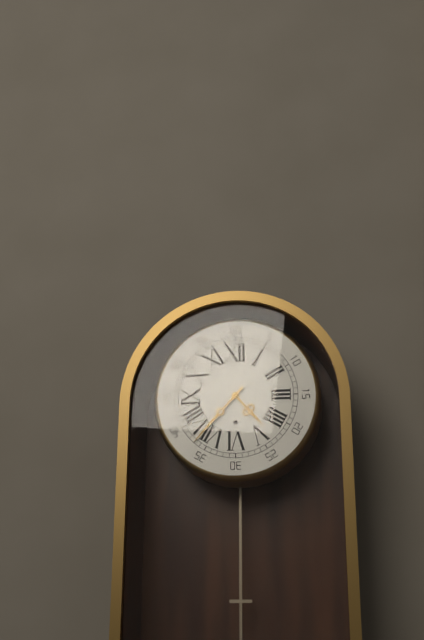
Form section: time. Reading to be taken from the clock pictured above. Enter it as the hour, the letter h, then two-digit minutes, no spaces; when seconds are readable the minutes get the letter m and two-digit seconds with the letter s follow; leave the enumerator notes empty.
4h37
